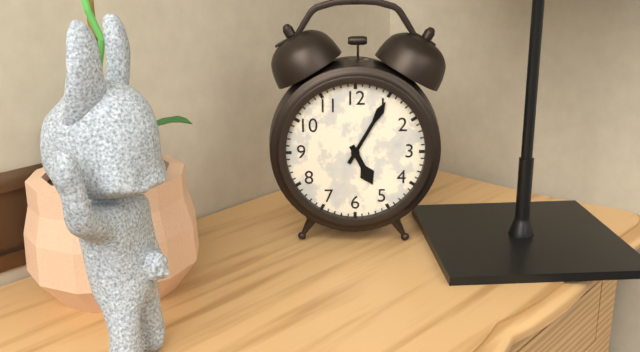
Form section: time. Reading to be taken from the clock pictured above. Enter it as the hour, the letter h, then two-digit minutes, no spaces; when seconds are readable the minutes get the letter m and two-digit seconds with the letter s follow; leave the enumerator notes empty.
5h05
